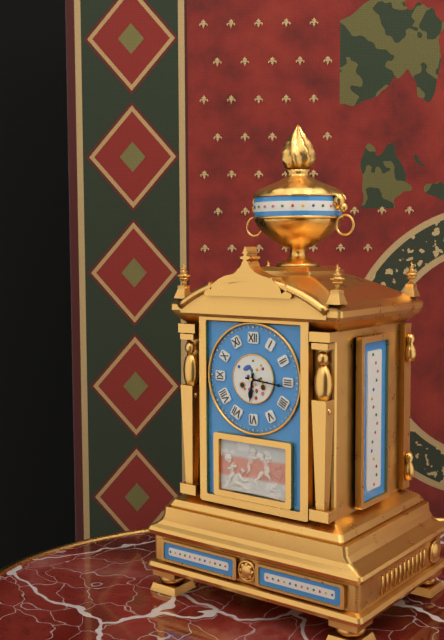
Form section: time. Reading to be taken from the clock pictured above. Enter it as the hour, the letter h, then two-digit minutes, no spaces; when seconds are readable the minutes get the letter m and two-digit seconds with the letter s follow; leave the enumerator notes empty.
6h16
